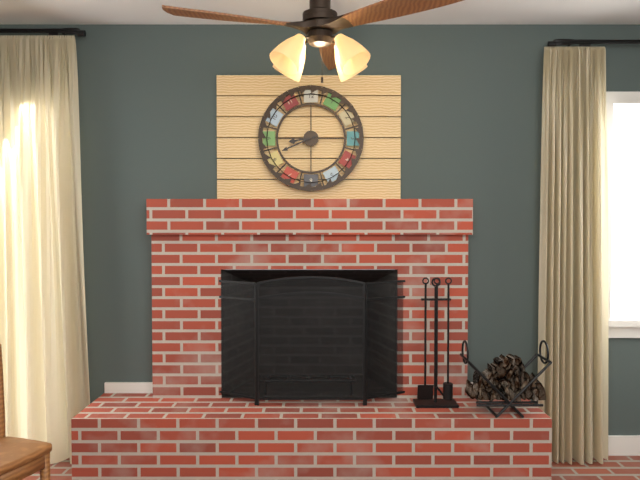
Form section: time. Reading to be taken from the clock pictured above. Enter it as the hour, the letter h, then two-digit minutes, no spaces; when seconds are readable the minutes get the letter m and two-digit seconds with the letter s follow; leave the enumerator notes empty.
8h41
